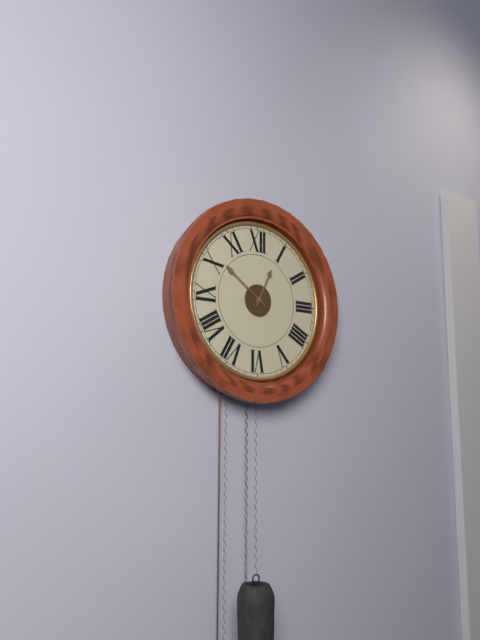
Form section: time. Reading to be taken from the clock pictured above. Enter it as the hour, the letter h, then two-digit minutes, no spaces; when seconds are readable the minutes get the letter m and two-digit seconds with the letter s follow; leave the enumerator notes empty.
12h51
